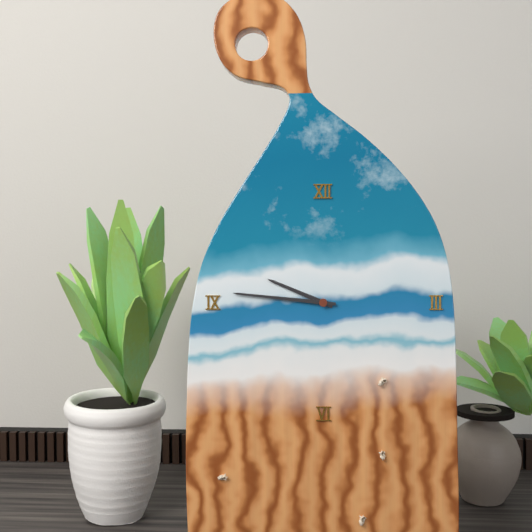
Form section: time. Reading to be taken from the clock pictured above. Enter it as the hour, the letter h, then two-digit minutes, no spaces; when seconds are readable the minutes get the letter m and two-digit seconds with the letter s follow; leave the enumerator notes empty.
9h46
